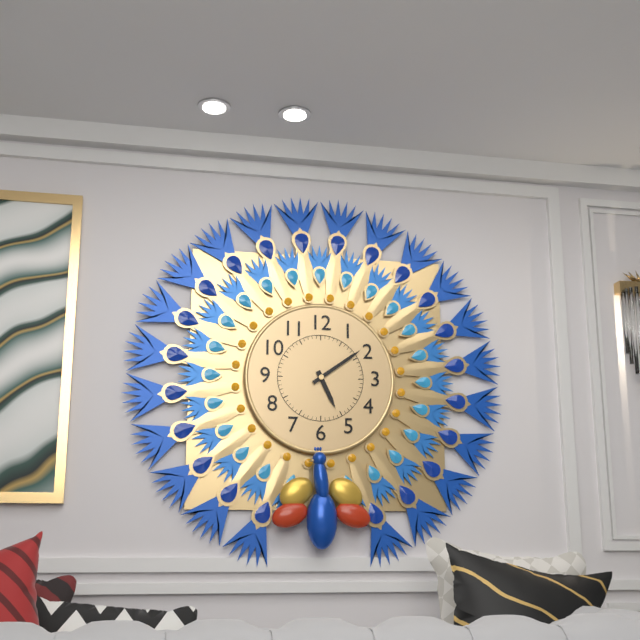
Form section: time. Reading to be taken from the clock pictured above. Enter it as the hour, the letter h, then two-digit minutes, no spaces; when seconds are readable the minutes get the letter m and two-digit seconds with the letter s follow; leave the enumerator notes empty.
5h09
